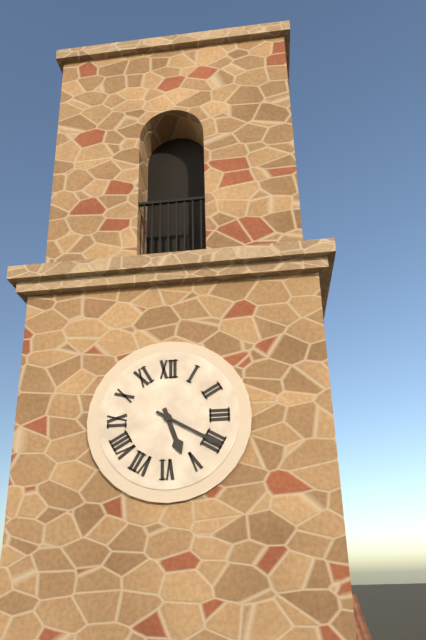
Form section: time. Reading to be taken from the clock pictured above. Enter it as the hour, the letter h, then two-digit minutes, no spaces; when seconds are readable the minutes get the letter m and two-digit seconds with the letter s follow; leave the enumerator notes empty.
5h20
